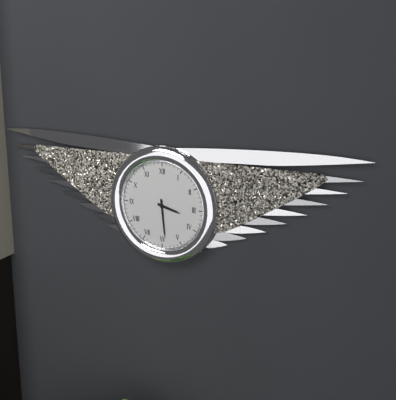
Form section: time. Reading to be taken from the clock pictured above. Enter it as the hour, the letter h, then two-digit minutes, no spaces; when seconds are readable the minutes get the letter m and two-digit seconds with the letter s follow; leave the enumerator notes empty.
3h29
